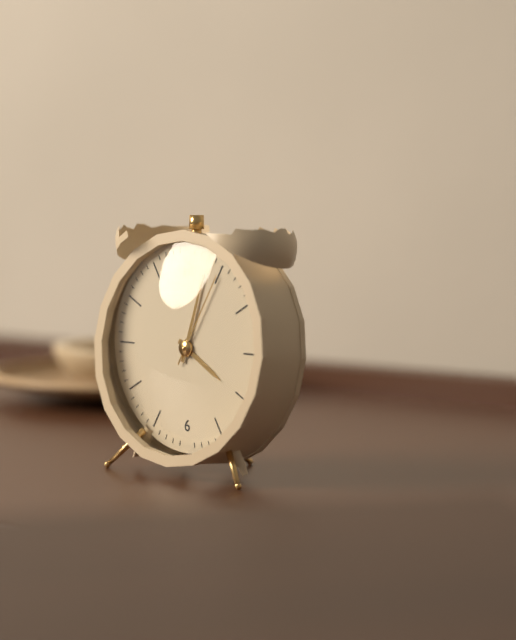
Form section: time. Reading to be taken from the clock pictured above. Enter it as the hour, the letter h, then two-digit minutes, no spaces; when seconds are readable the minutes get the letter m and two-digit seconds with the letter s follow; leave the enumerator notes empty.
4h03m05s
